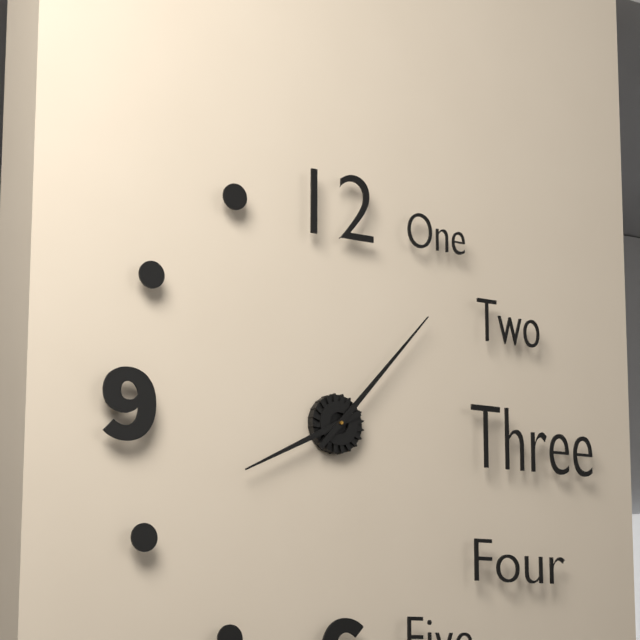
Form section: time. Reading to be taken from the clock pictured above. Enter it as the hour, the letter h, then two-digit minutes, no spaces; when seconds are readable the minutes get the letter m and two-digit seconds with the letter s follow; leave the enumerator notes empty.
8h07
